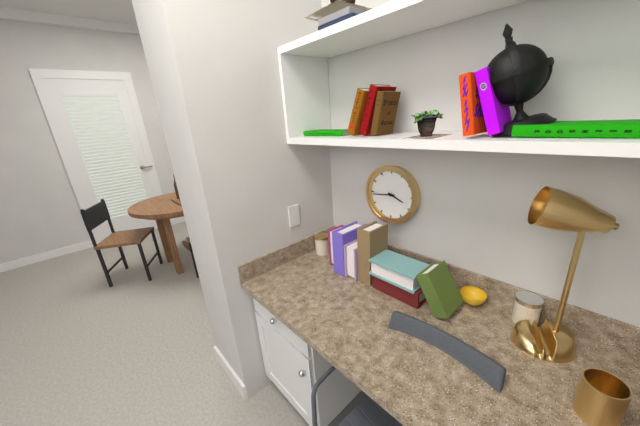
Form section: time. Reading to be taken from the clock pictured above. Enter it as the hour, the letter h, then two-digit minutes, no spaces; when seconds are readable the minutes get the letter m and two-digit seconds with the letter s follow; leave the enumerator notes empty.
3h44
